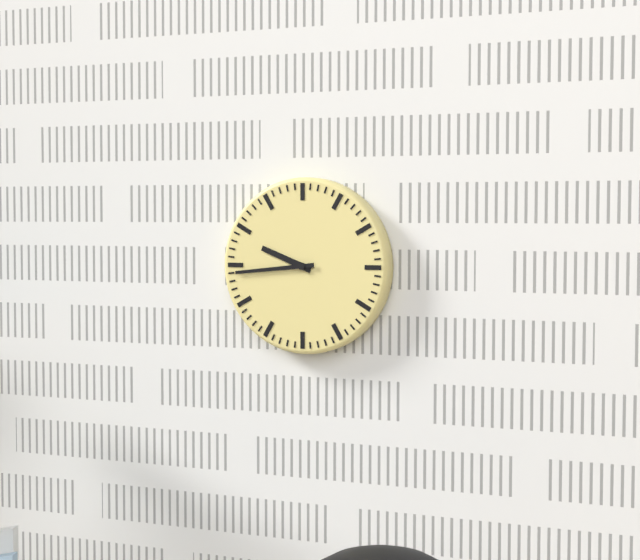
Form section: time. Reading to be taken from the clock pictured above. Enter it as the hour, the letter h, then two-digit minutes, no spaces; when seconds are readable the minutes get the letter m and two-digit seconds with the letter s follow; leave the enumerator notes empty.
9h44
